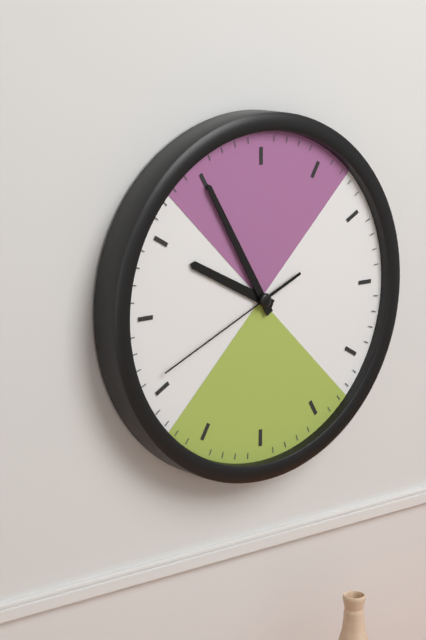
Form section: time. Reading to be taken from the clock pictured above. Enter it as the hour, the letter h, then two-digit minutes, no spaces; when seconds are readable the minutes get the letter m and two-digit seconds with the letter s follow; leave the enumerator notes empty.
9h55m41s
